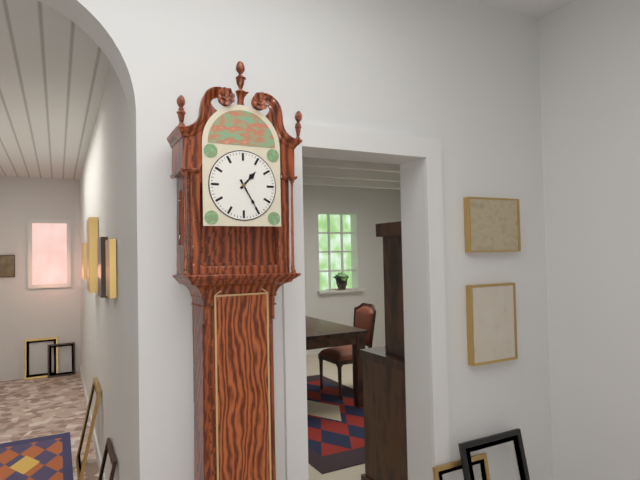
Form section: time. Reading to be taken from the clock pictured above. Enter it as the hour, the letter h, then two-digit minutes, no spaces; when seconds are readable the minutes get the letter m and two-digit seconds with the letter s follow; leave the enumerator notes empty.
1h25
